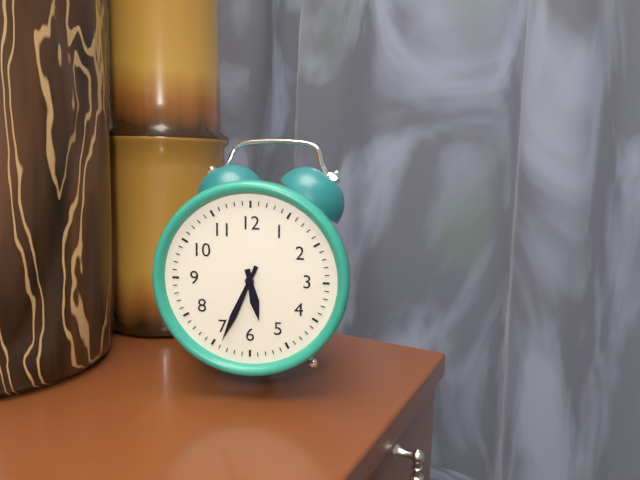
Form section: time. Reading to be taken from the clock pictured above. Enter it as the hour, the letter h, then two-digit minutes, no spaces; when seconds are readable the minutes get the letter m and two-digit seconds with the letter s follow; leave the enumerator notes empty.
5h34
